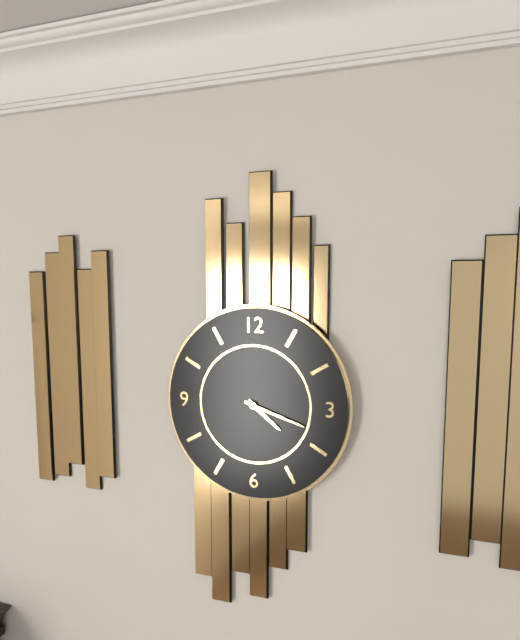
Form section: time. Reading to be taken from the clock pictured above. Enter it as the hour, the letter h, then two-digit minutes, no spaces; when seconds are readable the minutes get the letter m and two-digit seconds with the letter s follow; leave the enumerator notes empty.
4h18
